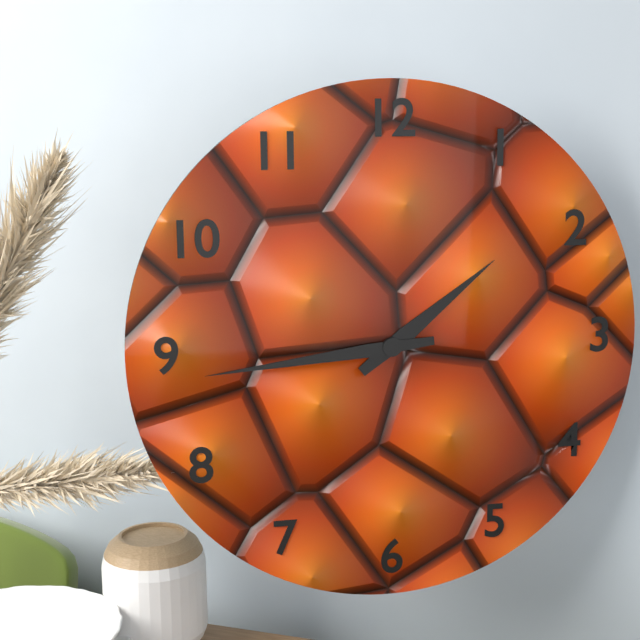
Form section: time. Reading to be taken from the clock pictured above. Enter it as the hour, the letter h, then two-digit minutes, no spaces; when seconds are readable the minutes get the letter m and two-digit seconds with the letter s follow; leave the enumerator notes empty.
1h44
